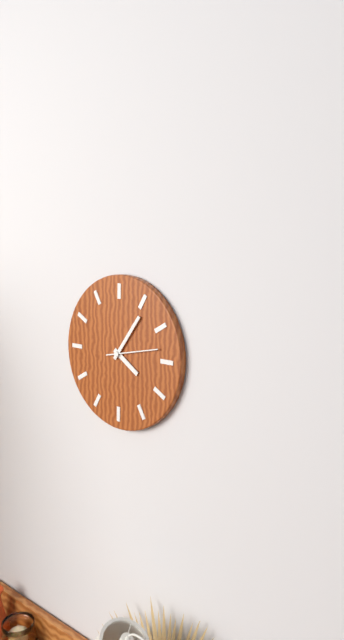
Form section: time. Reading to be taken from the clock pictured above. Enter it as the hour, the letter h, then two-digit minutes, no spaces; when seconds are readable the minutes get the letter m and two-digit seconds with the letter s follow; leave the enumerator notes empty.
4h06m13s
